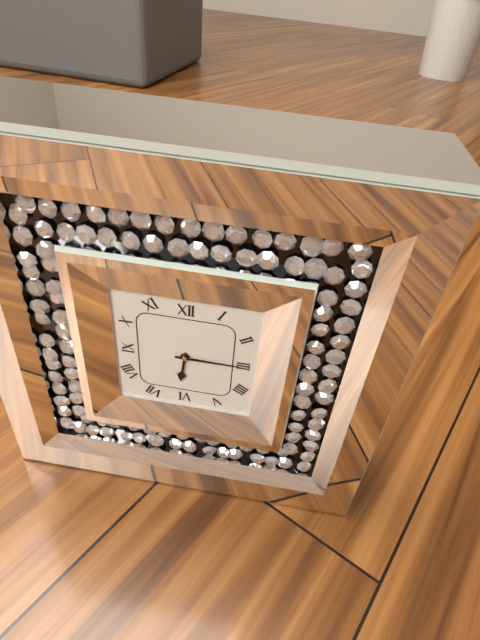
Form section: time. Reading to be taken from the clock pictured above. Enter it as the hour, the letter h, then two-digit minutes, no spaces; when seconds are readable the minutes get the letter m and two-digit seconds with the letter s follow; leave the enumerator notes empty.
6h15
